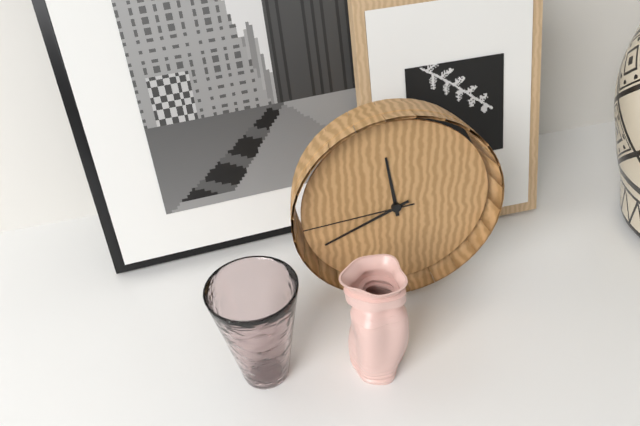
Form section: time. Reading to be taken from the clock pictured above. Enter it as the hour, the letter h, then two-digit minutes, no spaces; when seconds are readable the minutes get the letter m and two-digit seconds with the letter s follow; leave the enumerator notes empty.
11h41m44s
